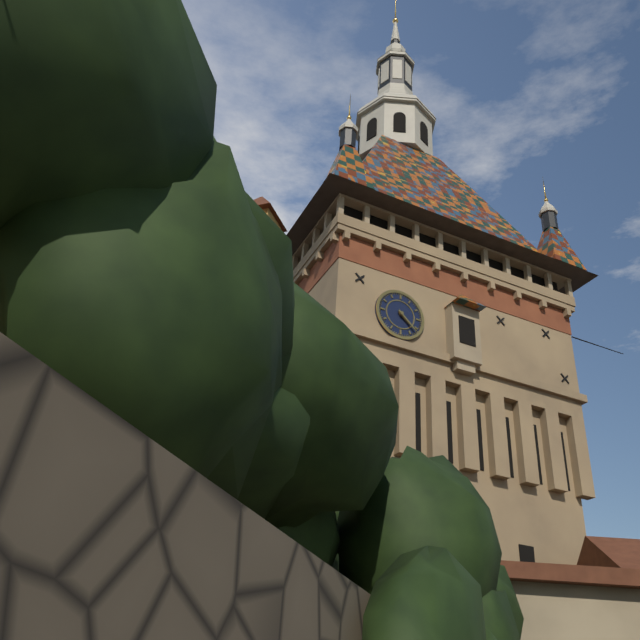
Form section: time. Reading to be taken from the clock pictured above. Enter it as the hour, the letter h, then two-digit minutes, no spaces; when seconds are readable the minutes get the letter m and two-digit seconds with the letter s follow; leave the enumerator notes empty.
4h22
